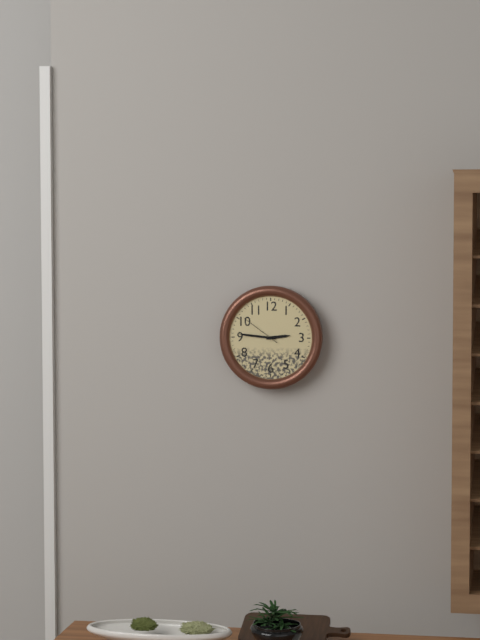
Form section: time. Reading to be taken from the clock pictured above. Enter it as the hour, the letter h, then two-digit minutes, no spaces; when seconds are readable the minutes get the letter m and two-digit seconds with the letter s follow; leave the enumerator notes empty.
2h46
